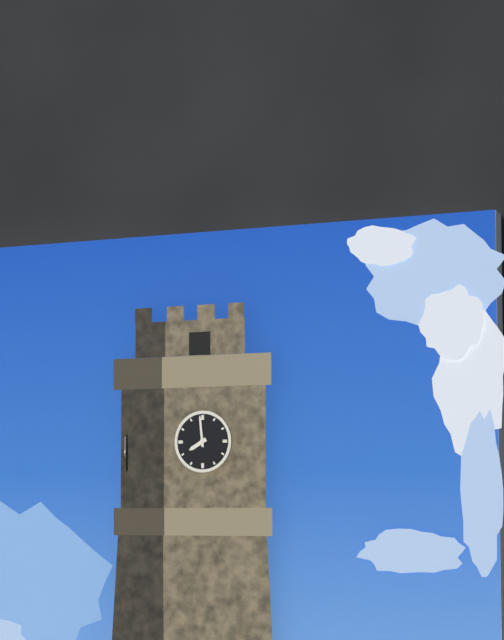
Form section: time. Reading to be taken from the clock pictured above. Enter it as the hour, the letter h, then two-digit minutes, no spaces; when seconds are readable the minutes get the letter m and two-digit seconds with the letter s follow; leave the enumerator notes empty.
7h59
